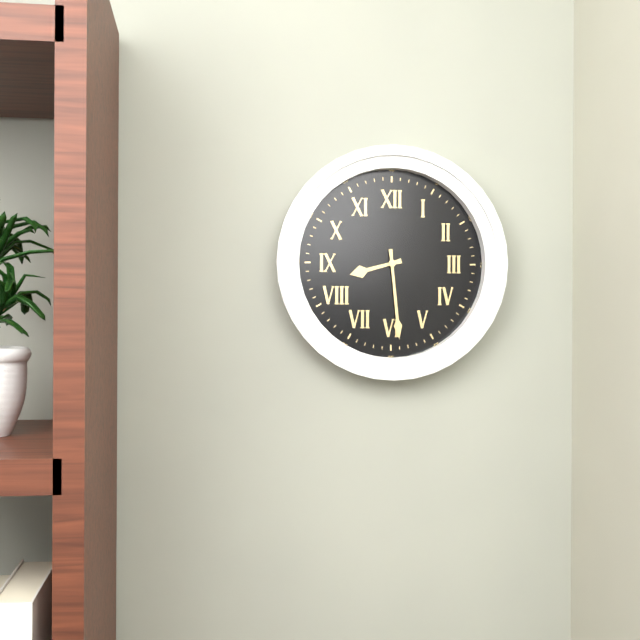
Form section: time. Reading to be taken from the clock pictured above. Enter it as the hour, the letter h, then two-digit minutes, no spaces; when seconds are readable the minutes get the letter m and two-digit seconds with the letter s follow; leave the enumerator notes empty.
8h29
